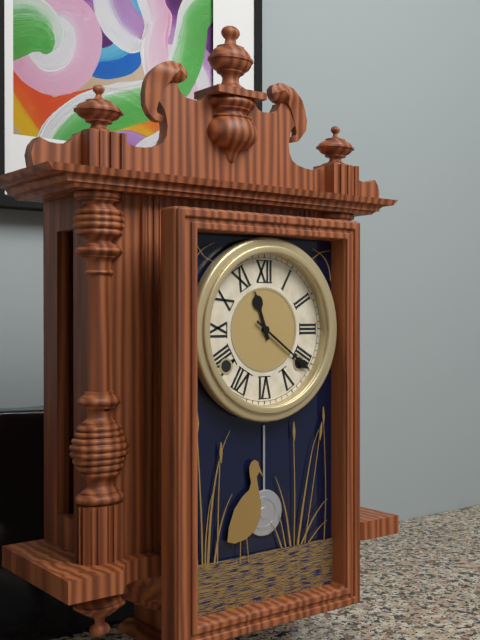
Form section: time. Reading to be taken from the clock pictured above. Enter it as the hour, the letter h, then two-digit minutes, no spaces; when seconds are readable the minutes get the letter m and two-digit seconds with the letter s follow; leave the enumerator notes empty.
11h21
